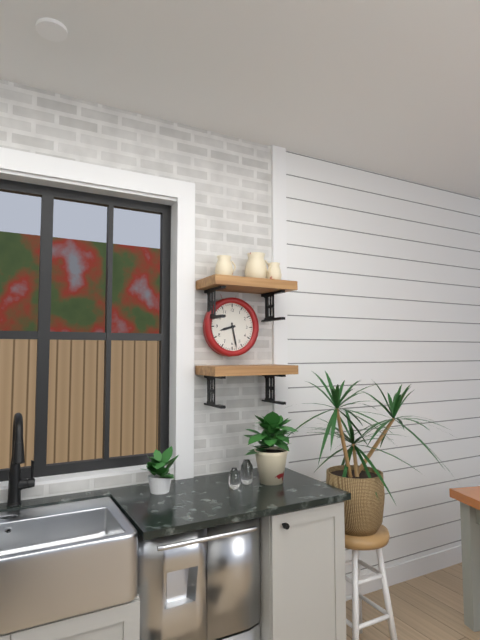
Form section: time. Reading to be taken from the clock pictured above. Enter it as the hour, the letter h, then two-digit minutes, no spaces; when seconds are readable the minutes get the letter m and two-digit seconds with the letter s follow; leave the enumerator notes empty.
8h28
